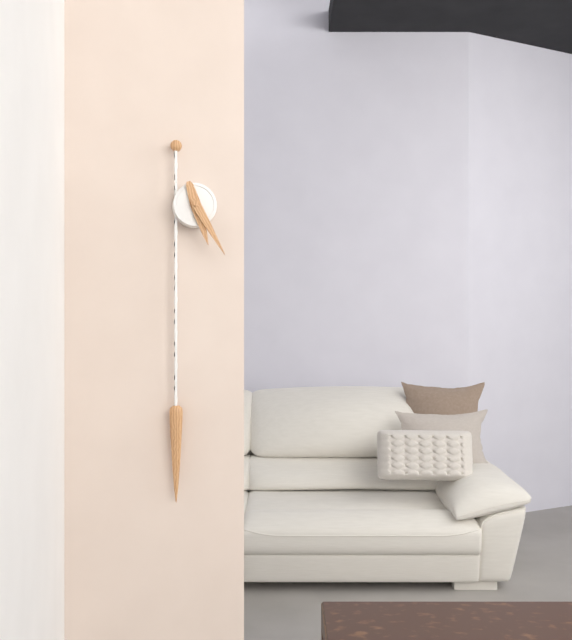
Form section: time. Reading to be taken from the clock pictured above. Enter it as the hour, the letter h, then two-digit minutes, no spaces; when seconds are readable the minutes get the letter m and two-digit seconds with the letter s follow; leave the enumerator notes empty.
5h25
